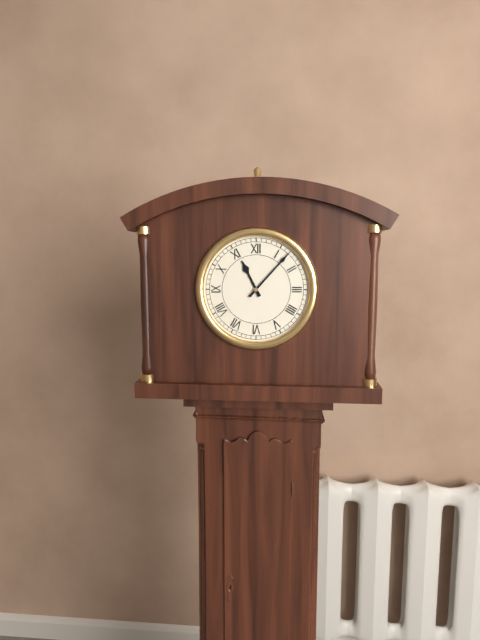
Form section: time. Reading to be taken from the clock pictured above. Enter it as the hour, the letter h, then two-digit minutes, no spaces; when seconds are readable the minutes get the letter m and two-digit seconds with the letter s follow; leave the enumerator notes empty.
11h07
